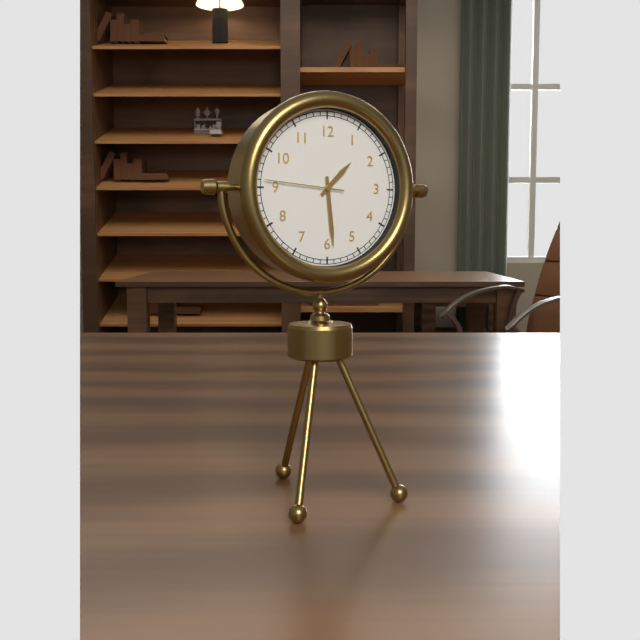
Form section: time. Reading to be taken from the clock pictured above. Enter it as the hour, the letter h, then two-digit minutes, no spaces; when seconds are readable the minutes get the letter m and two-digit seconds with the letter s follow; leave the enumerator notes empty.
1h29m46s
